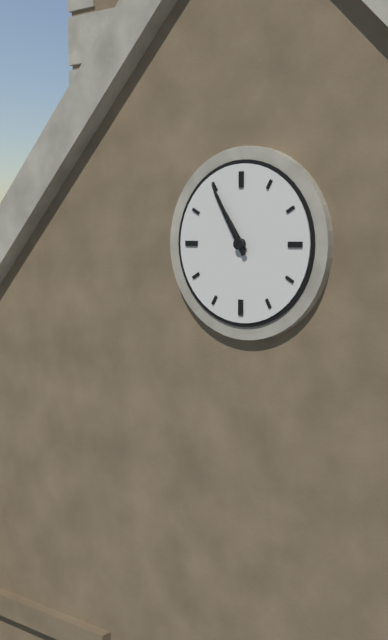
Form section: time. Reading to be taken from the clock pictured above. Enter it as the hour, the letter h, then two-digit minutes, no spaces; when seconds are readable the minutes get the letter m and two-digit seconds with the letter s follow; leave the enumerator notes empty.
10h55
